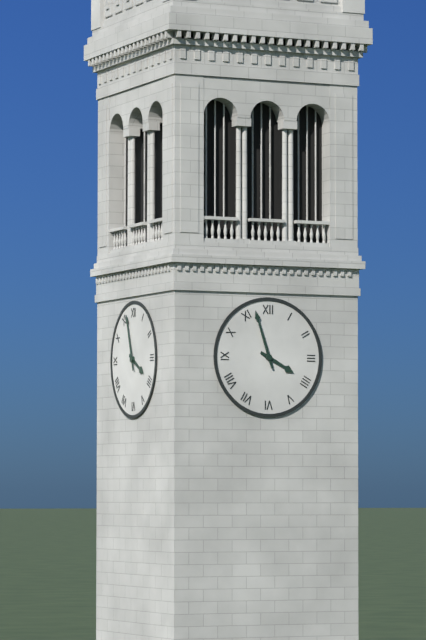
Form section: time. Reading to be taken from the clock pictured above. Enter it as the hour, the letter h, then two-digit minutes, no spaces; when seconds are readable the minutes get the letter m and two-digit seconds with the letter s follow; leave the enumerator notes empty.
3h57
